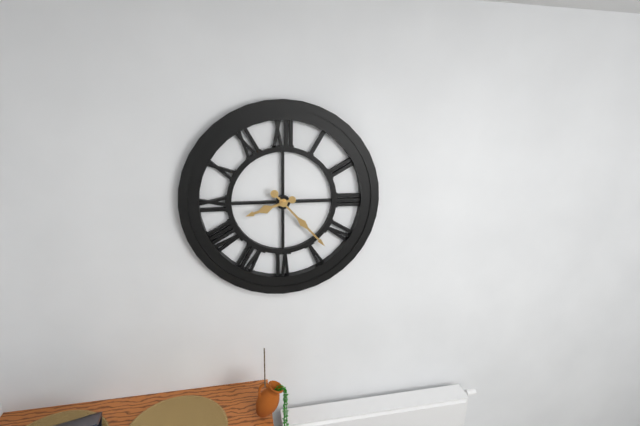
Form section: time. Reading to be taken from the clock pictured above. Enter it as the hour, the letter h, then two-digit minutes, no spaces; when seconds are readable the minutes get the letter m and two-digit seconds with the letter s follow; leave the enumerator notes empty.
8h23
